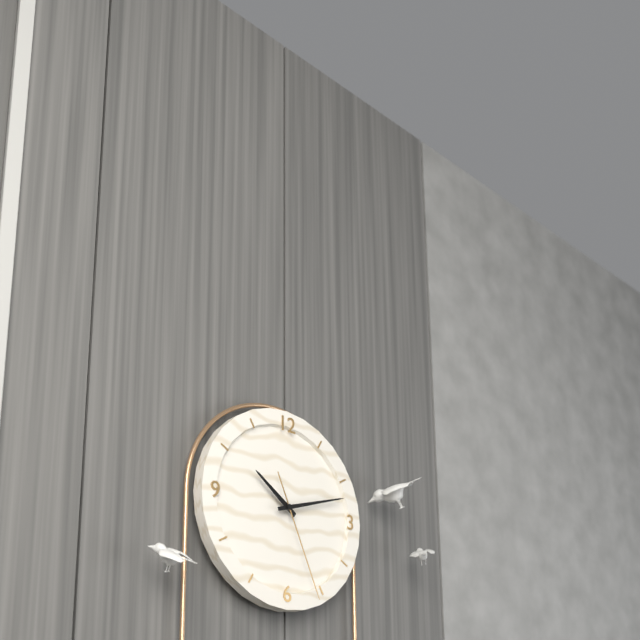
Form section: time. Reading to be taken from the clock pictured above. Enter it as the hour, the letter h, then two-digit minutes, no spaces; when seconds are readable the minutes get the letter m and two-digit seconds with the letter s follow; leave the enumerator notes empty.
10h12m26s
